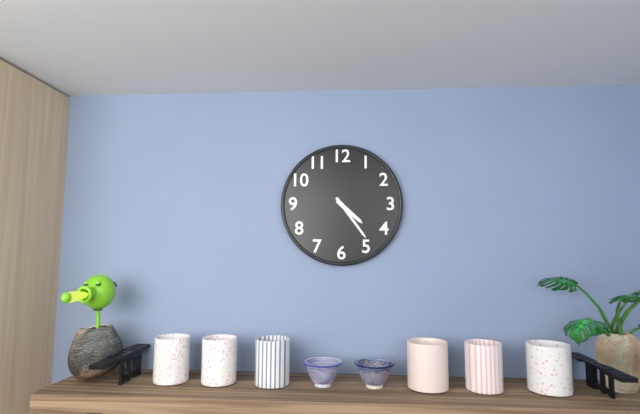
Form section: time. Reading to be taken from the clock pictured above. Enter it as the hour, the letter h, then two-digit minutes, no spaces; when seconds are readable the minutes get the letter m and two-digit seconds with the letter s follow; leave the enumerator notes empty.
4h24
